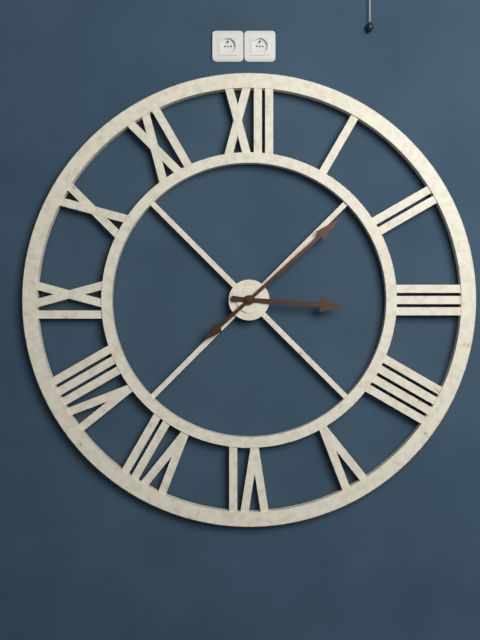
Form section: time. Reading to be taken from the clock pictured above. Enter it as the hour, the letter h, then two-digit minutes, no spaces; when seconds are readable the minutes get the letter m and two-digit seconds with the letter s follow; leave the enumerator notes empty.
3h08
